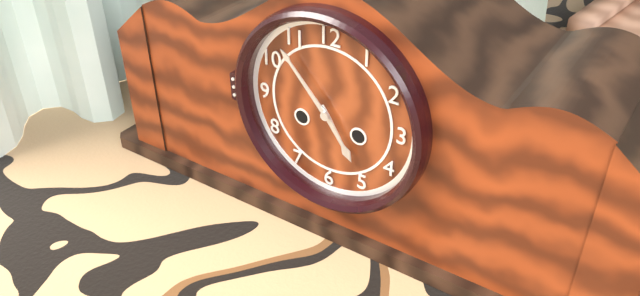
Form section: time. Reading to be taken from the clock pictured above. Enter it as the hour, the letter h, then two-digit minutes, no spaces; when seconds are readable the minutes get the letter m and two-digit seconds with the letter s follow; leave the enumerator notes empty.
4h53
